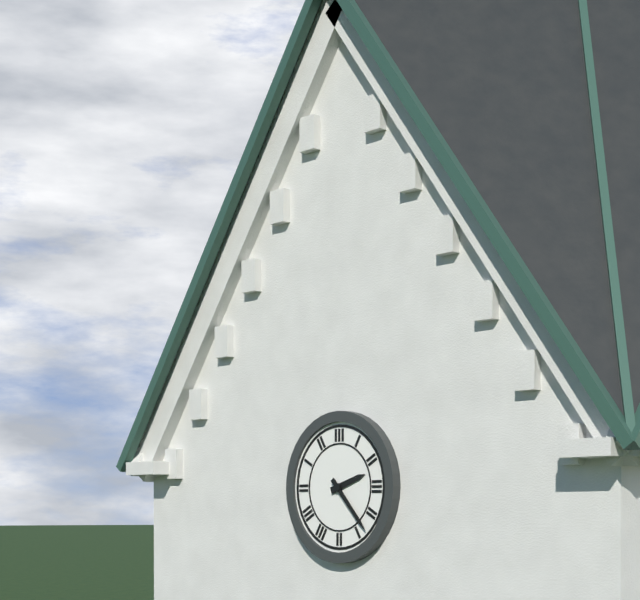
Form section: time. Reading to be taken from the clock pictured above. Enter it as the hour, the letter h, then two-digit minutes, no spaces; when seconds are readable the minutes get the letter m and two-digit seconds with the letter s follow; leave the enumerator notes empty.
2h23
